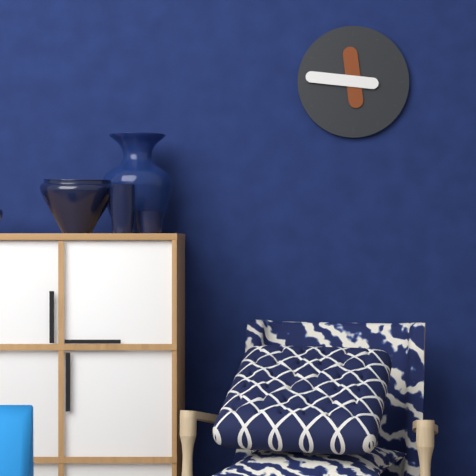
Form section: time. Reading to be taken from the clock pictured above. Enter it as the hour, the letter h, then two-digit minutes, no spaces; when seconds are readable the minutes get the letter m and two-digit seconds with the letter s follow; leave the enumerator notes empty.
11h46
